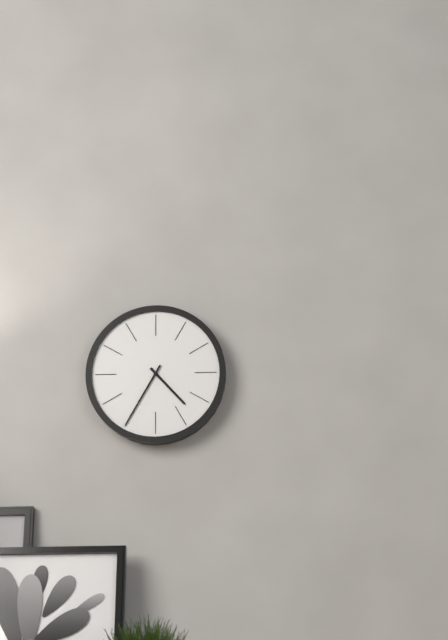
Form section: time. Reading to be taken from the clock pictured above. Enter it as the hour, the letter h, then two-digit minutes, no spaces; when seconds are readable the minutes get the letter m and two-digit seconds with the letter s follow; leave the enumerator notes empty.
4h35
